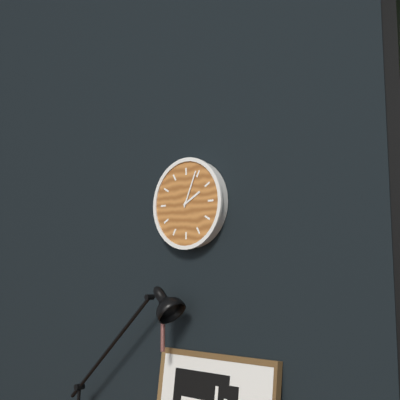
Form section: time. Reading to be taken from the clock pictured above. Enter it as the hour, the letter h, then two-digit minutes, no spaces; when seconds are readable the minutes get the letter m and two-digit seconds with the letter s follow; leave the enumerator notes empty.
2h04
